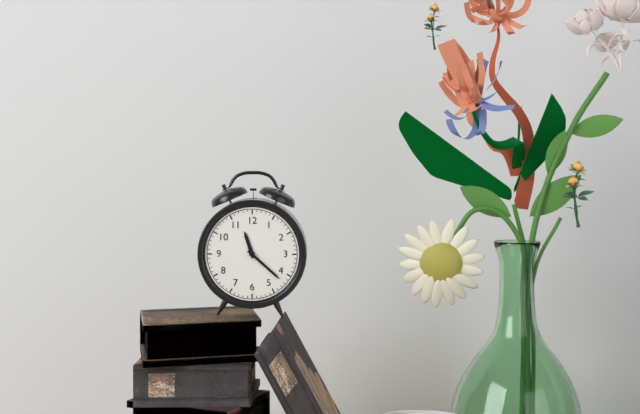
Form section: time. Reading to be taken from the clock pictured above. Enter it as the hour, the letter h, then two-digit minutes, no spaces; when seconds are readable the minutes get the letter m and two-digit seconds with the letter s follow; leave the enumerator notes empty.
11h22
